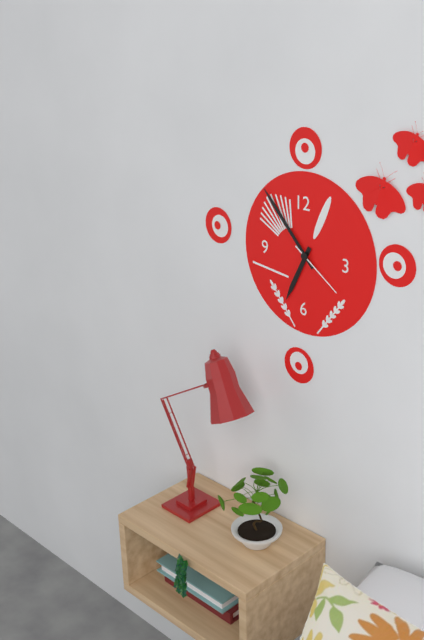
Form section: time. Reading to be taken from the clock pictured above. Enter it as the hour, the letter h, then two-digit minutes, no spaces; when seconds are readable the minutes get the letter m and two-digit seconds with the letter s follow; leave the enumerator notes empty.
6h53m21s
